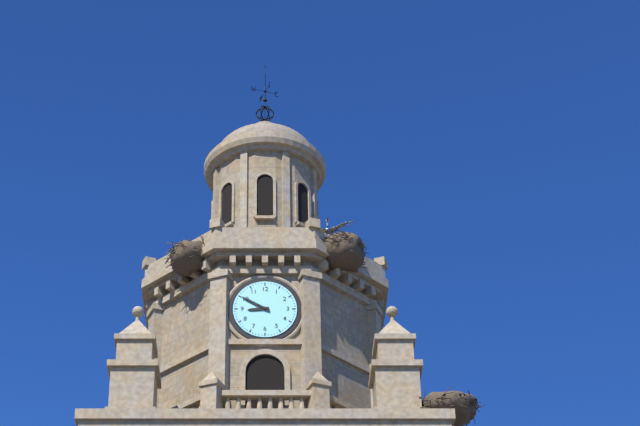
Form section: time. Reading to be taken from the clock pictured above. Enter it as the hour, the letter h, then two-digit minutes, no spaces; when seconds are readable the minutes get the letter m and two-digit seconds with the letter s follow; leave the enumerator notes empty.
8h50
